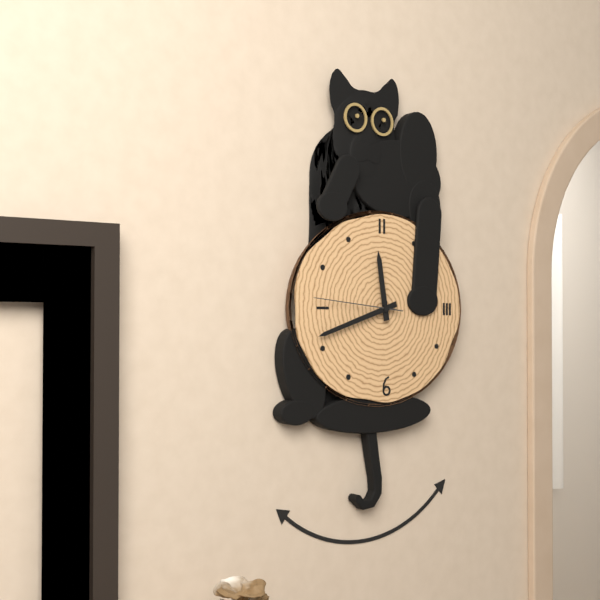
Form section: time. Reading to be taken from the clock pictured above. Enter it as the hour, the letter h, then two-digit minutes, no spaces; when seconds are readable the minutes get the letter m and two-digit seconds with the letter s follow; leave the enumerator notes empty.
11h42m46s
